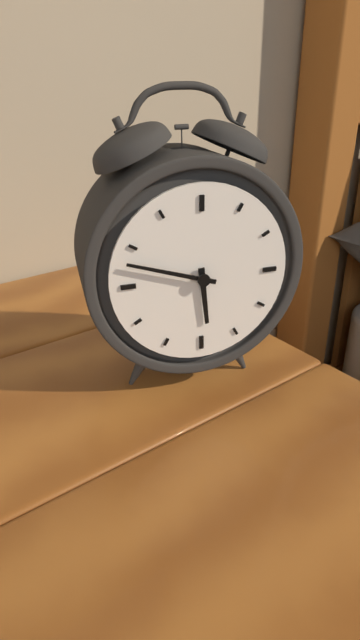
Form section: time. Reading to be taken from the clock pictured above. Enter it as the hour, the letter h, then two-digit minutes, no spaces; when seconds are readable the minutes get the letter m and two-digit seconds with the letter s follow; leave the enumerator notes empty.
5h48
